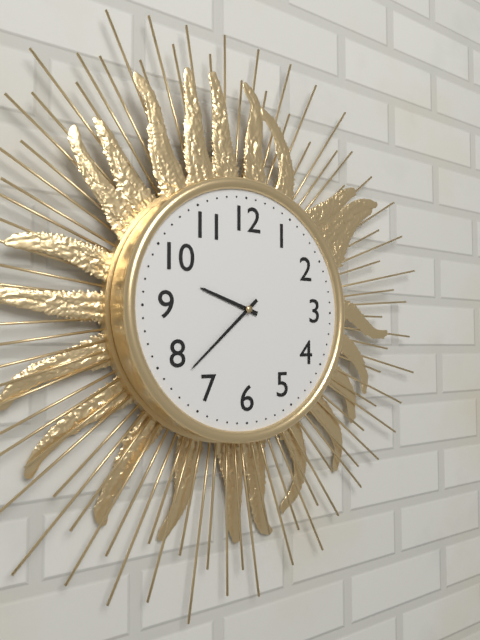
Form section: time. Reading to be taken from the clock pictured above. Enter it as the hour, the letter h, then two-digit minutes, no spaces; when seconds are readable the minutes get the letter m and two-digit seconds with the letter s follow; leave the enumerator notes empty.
9h38
